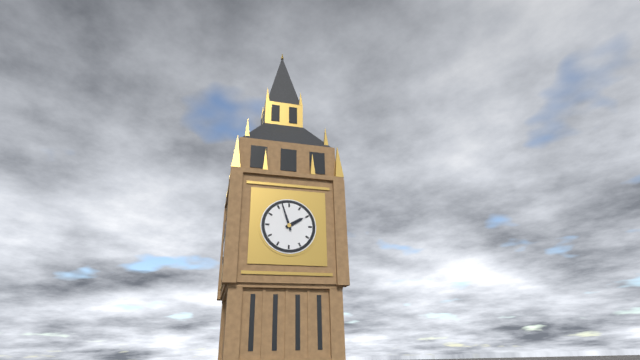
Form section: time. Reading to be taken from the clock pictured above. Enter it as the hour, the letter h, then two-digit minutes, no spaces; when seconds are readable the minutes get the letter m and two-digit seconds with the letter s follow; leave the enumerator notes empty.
1h57
